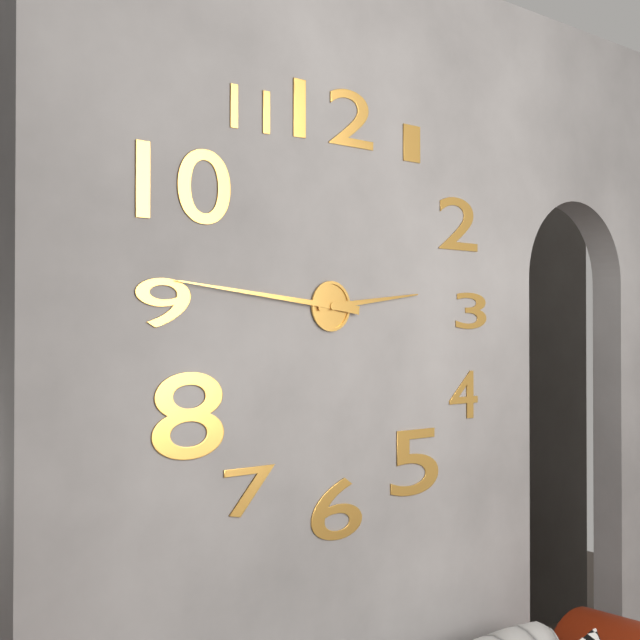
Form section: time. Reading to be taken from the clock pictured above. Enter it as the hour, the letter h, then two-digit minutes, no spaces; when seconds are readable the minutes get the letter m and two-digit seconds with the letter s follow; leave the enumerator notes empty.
2h46
